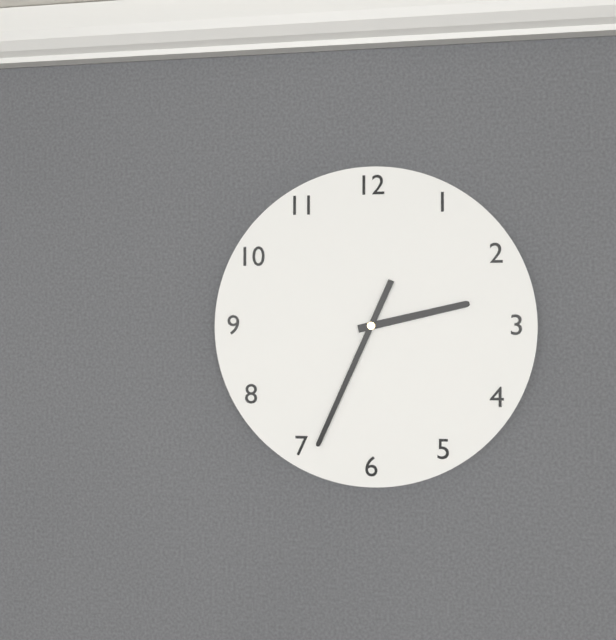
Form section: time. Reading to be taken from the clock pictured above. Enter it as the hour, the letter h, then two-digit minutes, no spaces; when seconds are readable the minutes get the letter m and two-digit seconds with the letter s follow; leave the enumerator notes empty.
2h34
